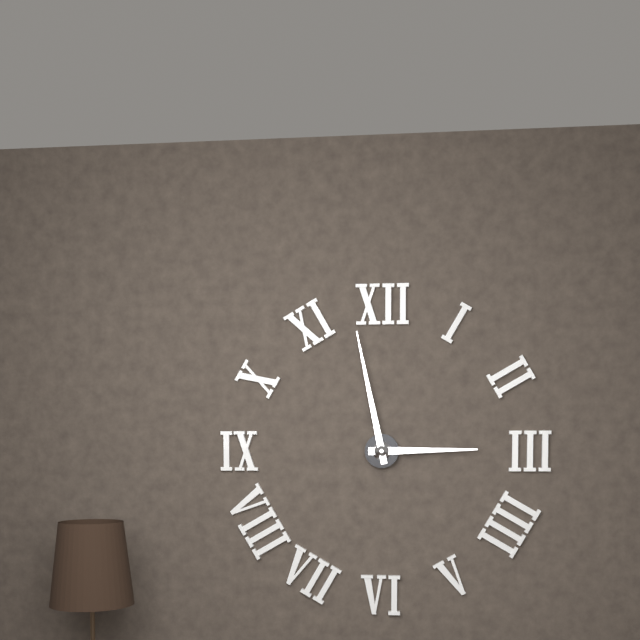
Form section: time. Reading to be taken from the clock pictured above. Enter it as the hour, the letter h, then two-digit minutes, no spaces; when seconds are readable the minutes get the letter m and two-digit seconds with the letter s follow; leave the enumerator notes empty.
2h58
